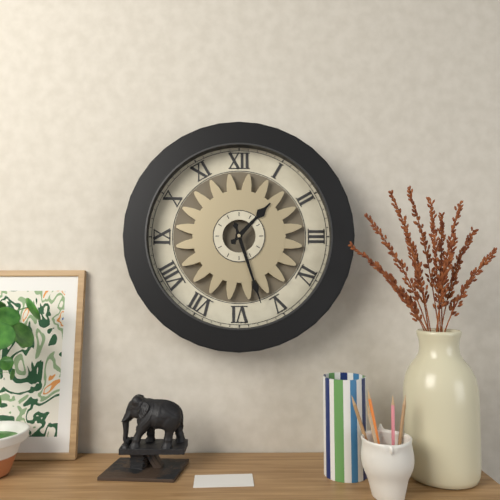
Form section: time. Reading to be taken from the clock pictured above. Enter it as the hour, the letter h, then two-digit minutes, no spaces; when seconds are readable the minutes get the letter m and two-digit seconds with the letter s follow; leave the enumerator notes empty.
1h27
